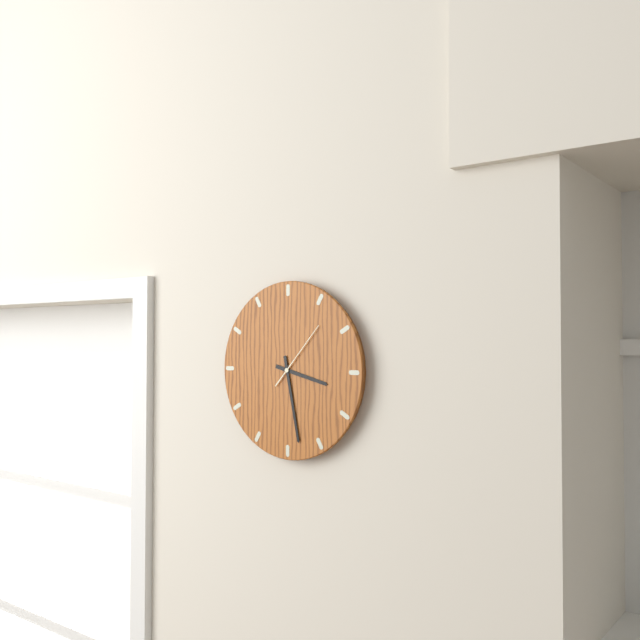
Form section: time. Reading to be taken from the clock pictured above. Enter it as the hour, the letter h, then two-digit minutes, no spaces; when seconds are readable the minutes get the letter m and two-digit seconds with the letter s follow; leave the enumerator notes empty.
3h28m07s
